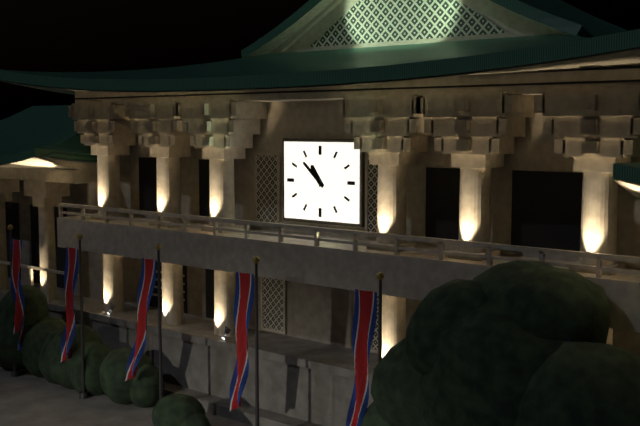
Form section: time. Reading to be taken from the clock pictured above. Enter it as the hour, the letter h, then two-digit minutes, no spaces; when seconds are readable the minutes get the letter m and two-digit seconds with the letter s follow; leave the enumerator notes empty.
10h52
